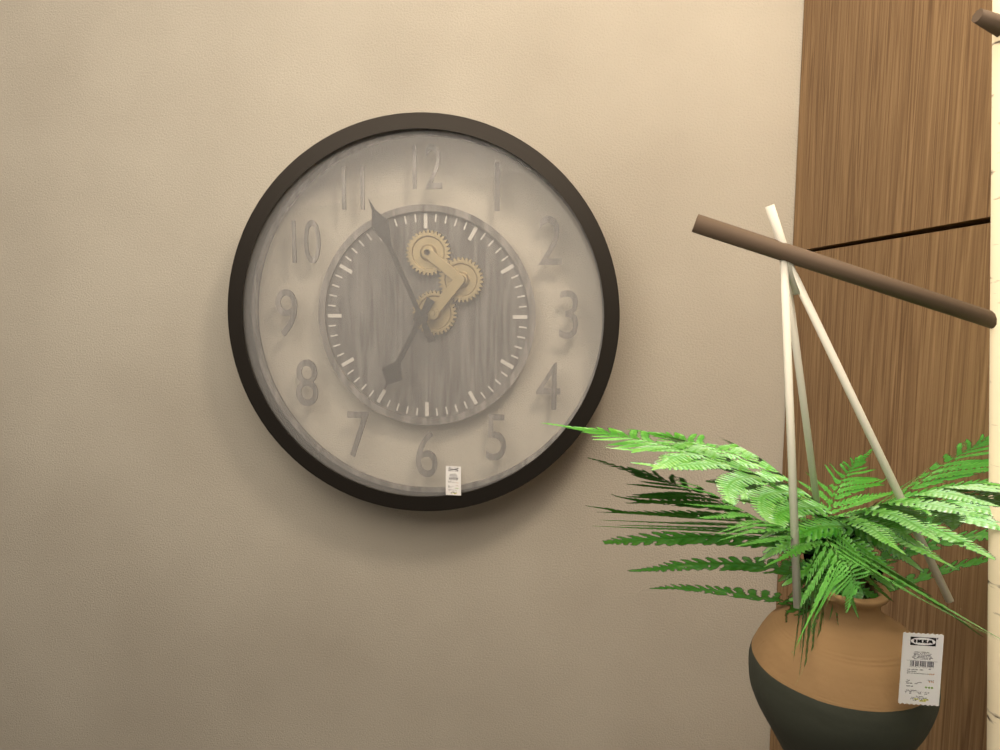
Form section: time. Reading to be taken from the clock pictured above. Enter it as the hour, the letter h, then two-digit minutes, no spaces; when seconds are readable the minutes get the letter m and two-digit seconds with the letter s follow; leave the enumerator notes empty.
6h56
